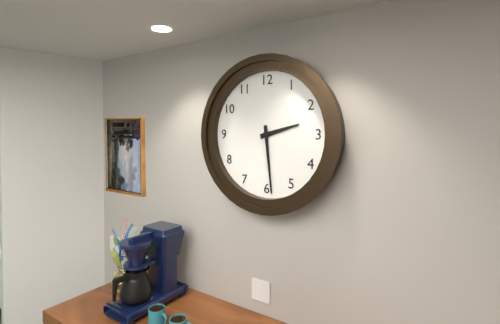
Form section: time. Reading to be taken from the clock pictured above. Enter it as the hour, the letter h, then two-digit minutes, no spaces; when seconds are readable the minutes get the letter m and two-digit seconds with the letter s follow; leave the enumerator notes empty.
2h29
